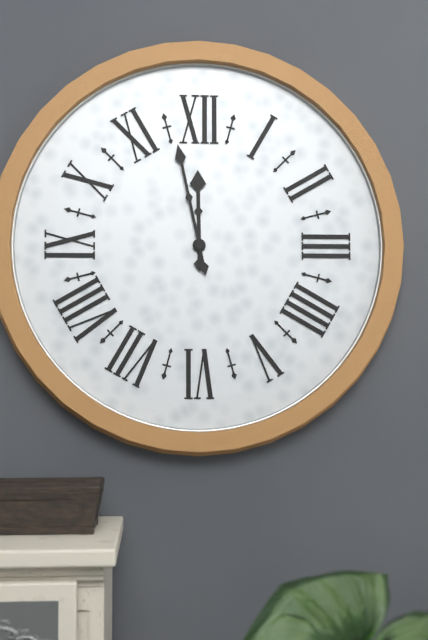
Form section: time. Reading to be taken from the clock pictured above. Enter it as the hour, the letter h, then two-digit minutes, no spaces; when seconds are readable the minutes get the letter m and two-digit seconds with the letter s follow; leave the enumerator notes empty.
11h58
